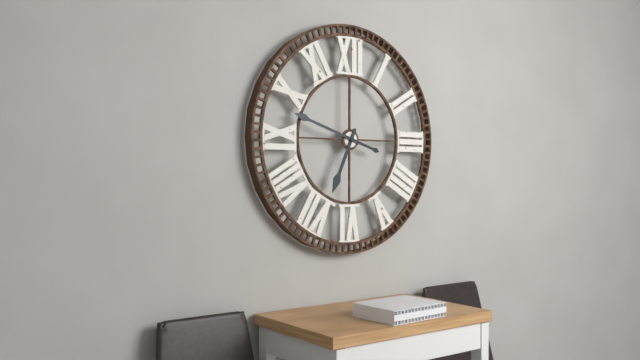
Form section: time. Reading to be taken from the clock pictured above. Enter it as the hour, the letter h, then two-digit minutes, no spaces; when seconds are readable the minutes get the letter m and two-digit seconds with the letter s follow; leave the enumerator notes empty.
6h48
